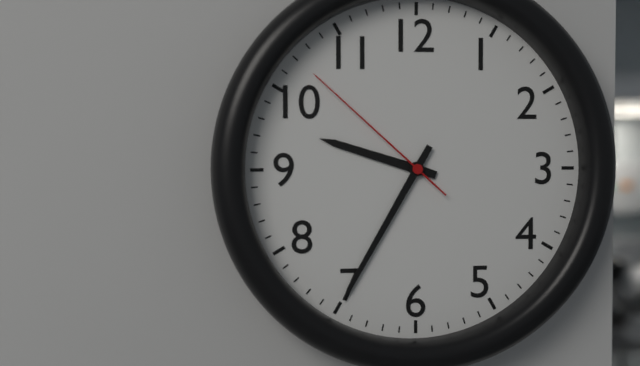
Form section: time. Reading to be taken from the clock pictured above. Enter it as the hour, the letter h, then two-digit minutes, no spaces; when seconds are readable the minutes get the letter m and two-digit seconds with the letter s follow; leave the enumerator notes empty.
9h35m52s
